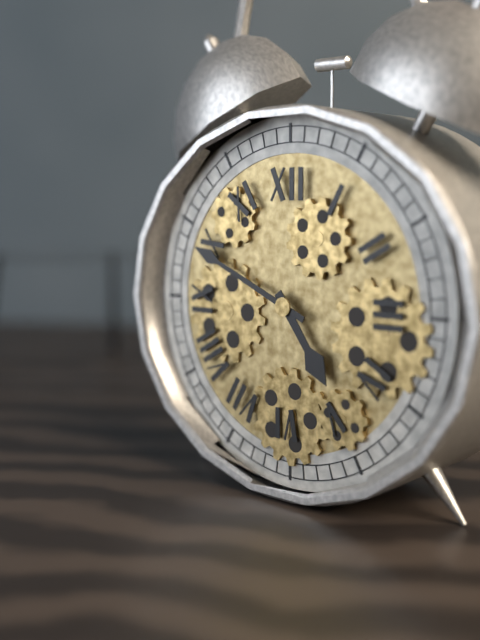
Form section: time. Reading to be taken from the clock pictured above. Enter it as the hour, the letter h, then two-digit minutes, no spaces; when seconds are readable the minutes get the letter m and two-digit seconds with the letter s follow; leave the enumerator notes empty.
4h49
